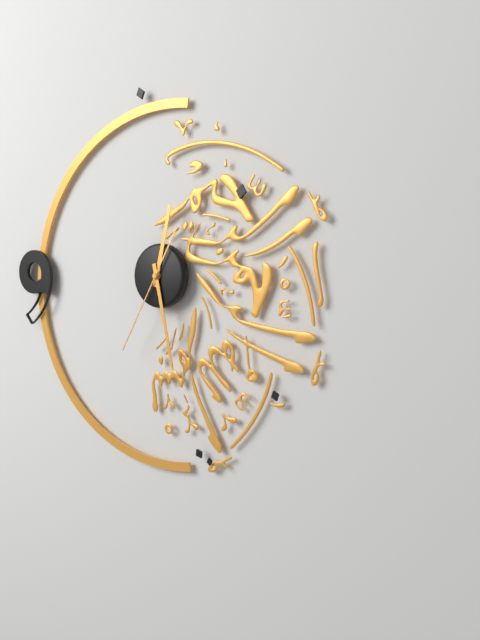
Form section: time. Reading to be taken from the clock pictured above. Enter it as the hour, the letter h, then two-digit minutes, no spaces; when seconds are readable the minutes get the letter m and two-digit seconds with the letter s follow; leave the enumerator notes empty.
12h28m35s
